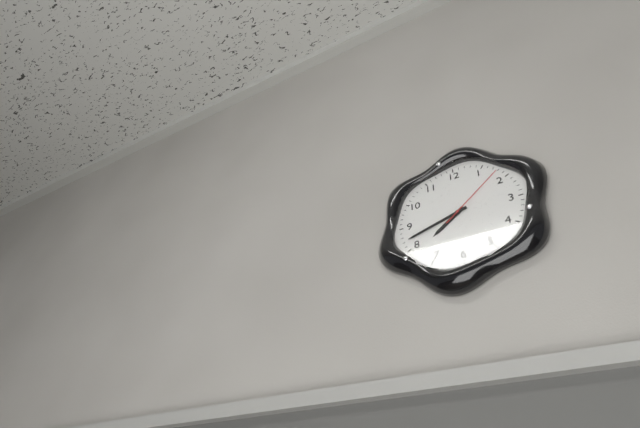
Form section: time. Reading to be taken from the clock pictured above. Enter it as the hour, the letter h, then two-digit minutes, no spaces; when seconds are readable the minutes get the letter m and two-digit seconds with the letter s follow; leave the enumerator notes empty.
7h42m08s
